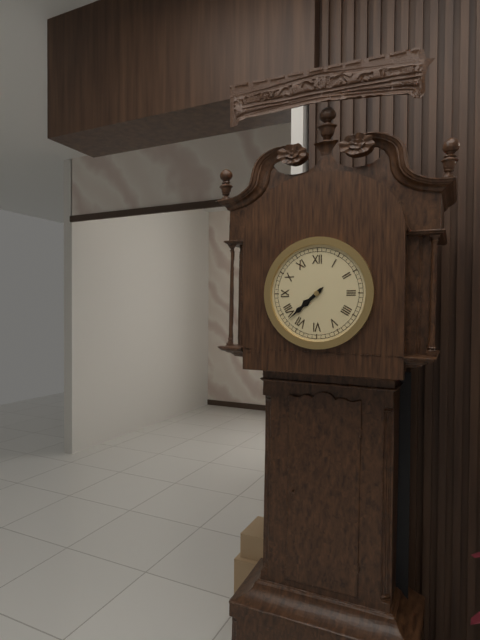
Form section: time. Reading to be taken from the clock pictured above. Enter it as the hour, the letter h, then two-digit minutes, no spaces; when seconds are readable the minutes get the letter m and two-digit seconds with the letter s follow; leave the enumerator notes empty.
7h38
